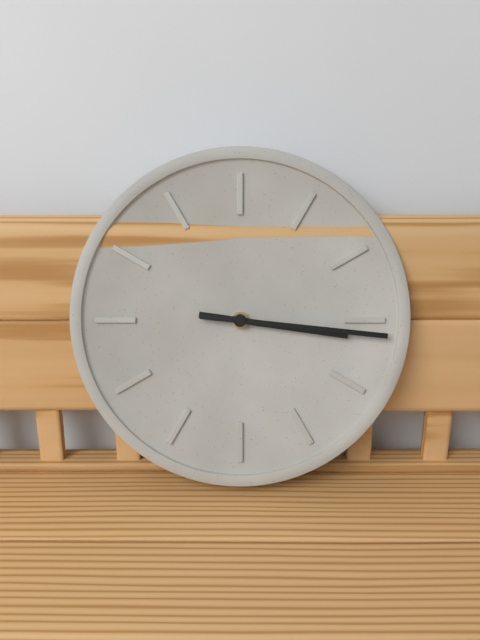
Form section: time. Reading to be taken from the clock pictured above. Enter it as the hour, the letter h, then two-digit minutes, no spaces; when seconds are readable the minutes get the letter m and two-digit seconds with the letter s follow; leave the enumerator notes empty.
3h16
